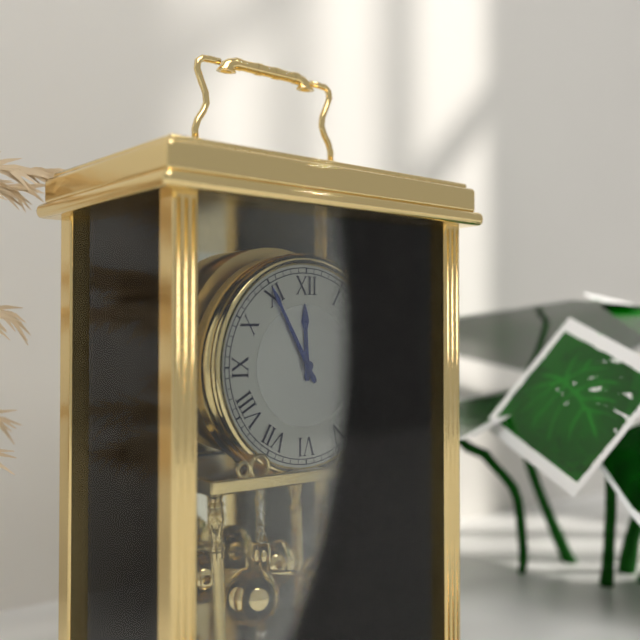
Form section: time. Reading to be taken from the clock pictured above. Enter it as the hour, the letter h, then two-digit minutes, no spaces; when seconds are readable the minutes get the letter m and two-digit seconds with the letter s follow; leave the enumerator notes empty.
11h55
